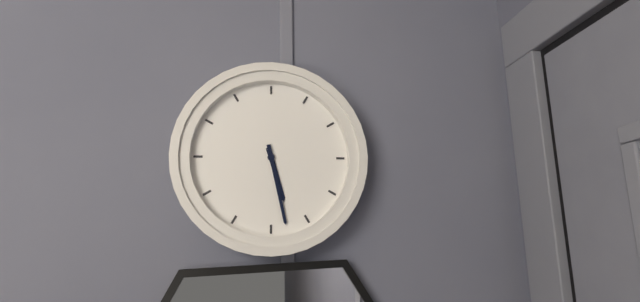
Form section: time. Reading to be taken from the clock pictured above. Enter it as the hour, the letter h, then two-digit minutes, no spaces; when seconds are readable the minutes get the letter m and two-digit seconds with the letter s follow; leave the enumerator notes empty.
5h28
